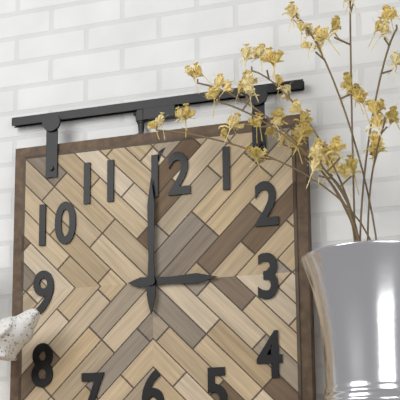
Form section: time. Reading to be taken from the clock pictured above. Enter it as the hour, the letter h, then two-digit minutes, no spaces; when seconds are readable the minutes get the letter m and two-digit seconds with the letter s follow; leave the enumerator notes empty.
3h00
